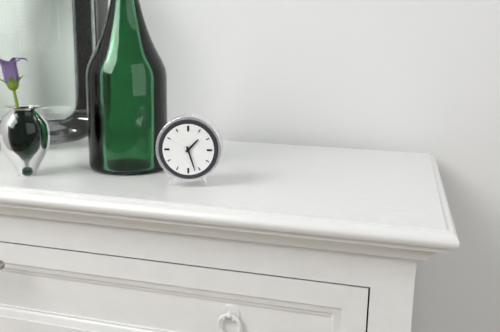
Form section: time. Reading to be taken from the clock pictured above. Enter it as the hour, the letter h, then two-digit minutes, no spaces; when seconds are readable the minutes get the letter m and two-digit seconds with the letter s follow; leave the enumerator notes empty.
1h27
